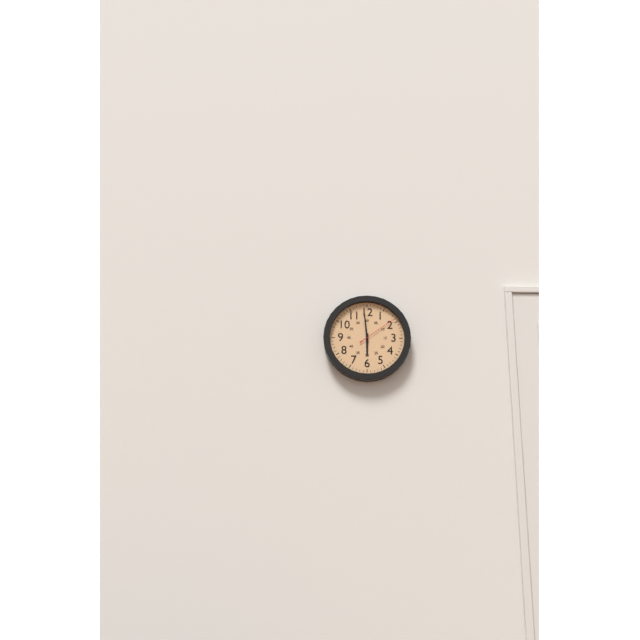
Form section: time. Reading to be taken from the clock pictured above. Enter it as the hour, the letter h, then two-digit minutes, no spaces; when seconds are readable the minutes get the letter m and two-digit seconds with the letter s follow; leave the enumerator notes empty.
5h59
